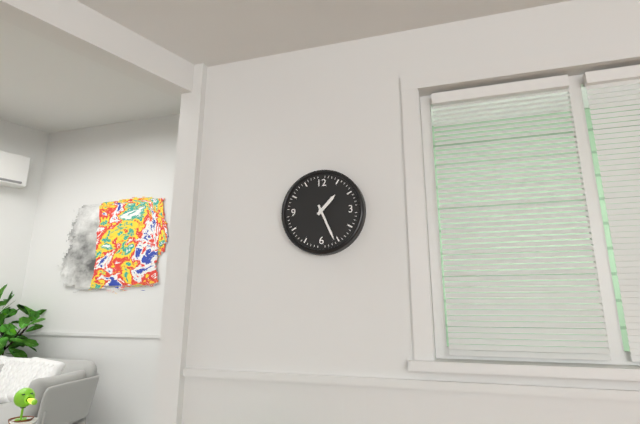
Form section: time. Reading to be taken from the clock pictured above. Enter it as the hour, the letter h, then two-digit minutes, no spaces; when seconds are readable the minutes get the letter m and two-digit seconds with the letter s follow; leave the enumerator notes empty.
1h26
